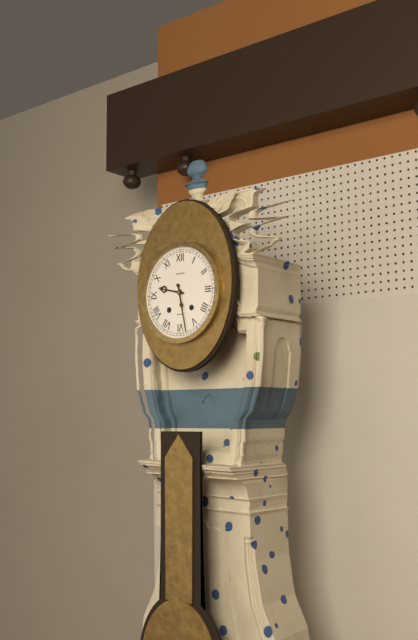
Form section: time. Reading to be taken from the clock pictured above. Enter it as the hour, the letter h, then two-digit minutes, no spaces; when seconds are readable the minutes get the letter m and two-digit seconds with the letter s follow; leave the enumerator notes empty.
9h28
